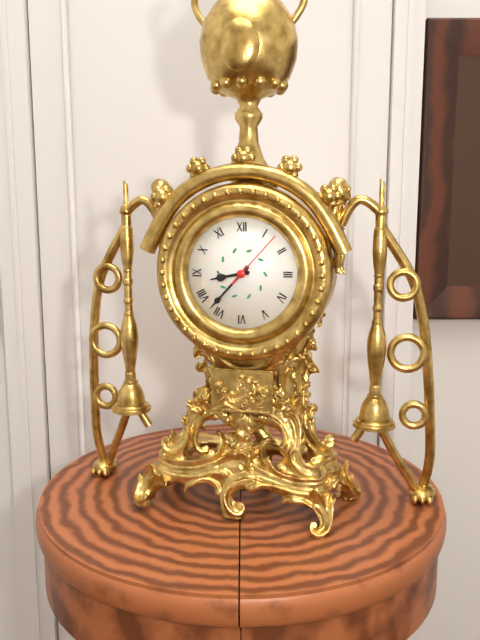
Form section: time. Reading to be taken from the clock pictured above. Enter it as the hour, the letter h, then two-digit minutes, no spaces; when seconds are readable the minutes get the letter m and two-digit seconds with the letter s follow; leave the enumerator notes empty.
8h37m07s
